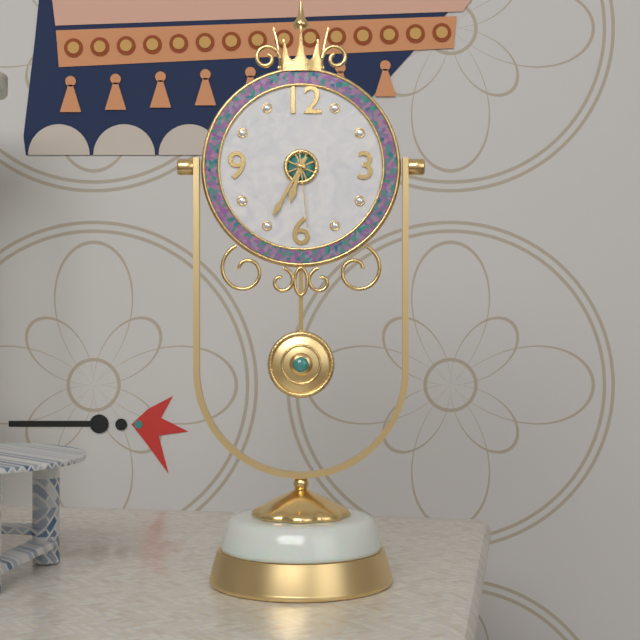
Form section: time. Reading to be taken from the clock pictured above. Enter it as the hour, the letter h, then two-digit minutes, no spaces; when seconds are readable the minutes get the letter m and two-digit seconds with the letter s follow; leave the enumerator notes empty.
6h35m29s
